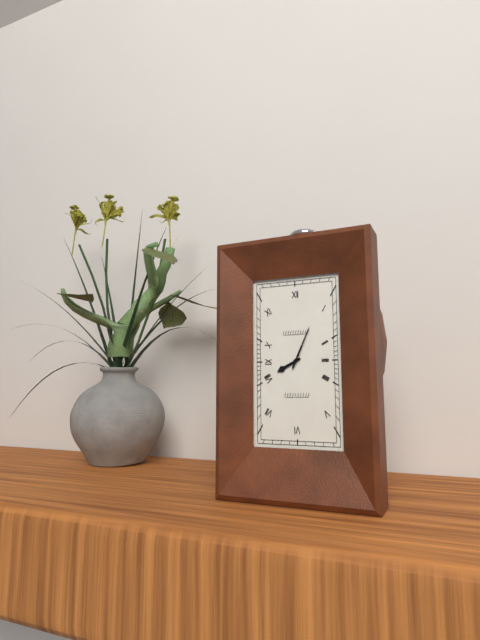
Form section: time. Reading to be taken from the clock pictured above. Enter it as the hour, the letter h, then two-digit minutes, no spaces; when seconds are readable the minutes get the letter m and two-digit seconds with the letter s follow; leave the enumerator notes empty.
8h04
